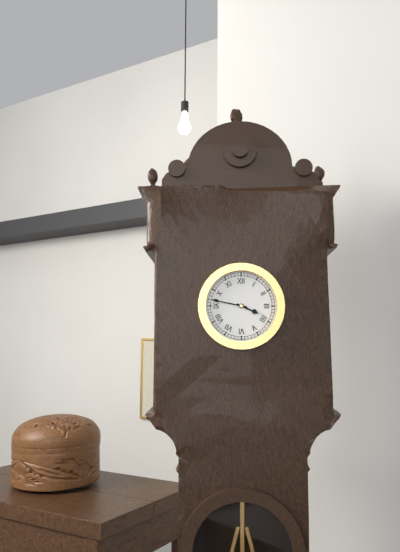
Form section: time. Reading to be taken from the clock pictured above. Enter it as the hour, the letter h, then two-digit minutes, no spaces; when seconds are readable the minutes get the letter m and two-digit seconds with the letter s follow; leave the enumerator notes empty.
3h47
